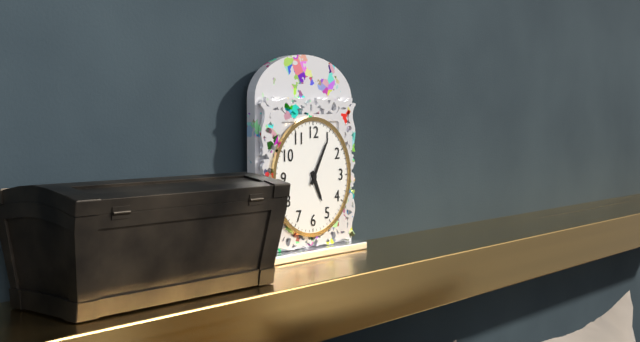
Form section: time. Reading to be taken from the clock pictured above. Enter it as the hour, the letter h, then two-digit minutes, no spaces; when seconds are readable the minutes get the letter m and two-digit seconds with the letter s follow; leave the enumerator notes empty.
5h05
